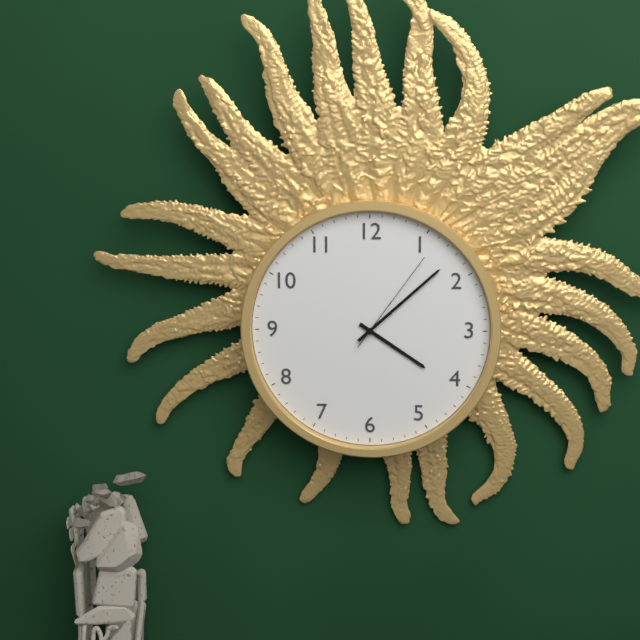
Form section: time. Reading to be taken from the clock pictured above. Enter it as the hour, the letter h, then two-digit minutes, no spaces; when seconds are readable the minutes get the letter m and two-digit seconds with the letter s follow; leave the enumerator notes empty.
4h08m06s
